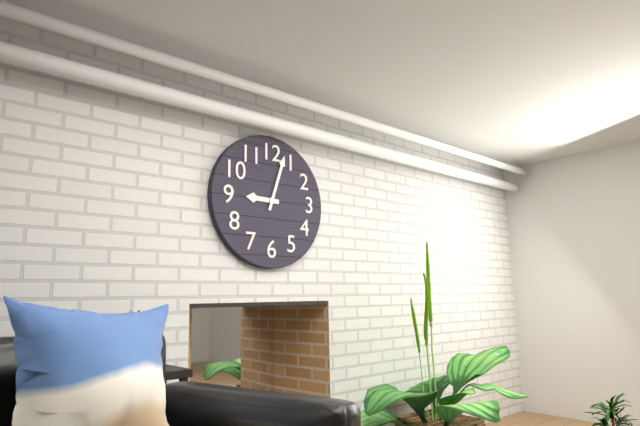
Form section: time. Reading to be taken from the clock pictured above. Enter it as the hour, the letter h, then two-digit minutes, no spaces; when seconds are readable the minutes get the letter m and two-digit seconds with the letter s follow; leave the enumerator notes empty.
9h03
